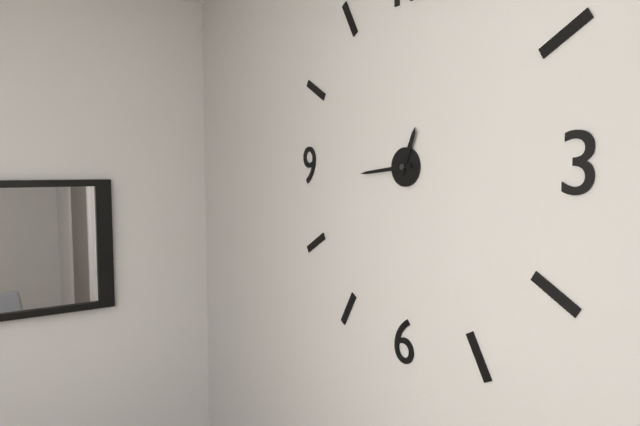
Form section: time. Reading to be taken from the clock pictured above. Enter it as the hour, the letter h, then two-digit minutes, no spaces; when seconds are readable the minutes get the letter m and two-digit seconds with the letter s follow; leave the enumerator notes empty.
12h44
